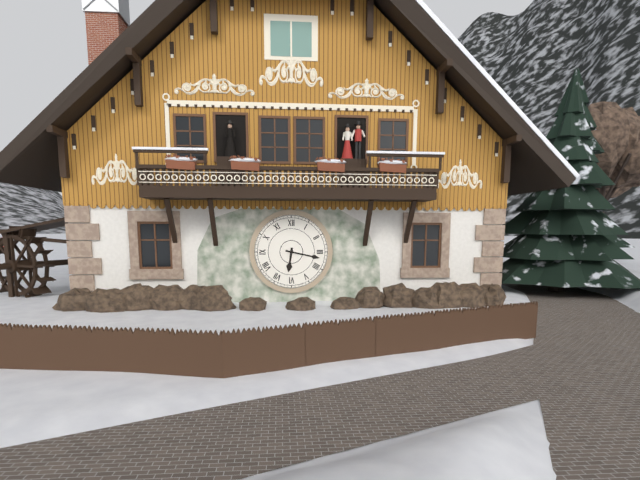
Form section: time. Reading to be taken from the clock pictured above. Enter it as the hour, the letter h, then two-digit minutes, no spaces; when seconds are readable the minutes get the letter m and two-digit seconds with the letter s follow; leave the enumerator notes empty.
6h17
